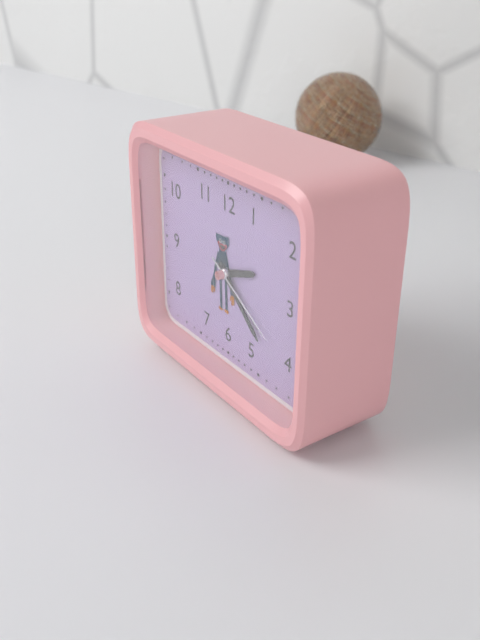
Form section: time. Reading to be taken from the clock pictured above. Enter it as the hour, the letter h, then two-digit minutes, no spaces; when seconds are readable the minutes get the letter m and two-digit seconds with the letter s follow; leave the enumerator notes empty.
2h22m20s
